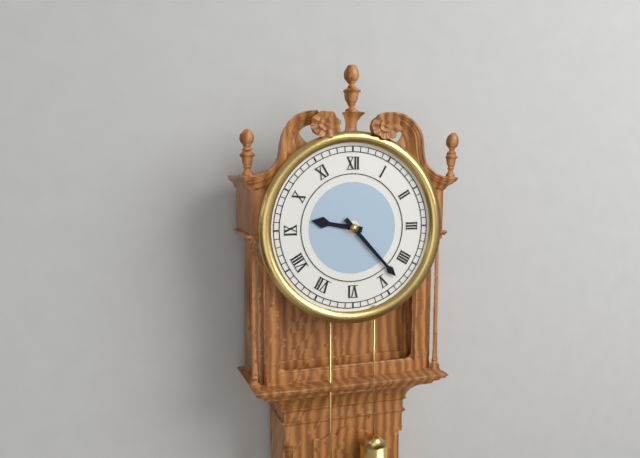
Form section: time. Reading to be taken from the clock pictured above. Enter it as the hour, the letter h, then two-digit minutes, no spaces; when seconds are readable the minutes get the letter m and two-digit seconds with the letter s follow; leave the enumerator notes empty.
9h23
